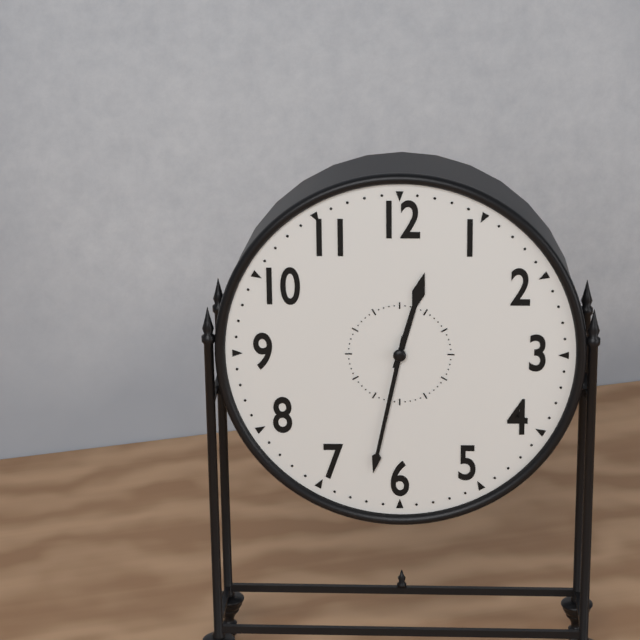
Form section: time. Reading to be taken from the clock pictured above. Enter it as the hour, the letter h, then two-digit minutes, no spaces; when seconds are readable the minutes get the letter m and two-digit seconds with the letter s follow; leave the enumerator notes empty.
12h32
